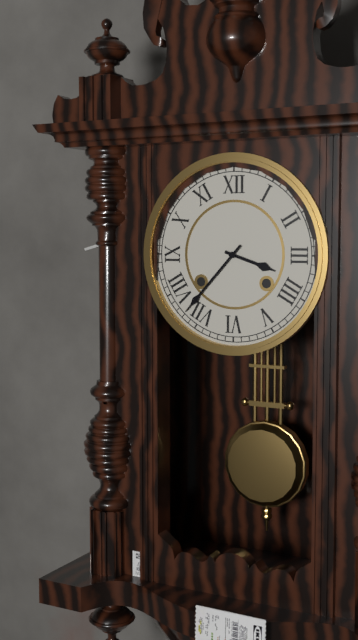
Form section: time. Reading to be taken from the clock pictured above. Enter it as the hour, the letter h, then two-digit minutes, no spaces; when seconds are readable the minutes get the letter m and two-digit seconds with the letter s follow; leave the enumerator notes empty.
3h37
